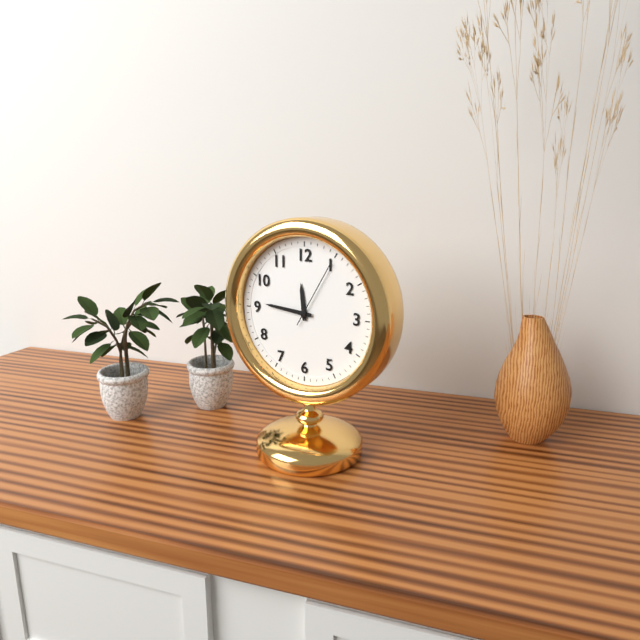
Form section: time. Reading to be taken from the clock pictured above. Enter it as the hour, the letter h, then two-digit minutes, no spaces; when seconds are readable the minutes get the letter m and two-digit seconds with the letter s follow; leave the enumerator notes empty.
11h46m05s
